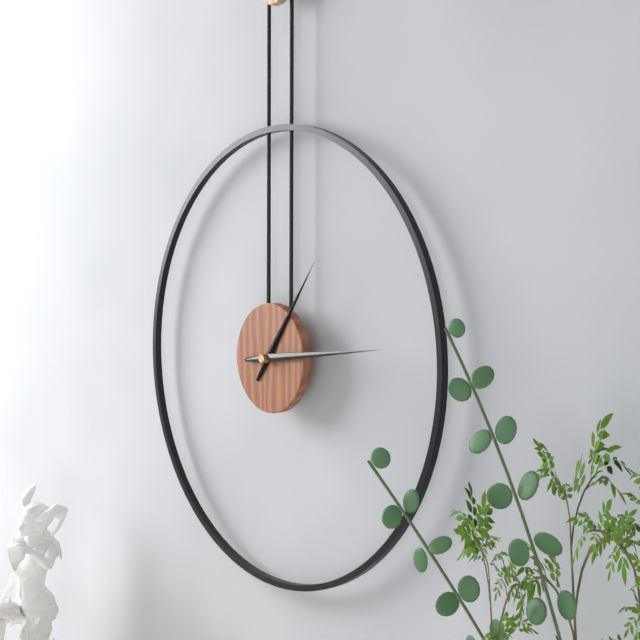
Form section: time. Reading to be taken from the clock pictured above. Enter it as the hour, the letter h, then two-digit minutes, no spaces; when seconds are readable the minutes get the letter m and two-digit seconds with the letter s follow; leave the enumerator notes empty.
1h14
